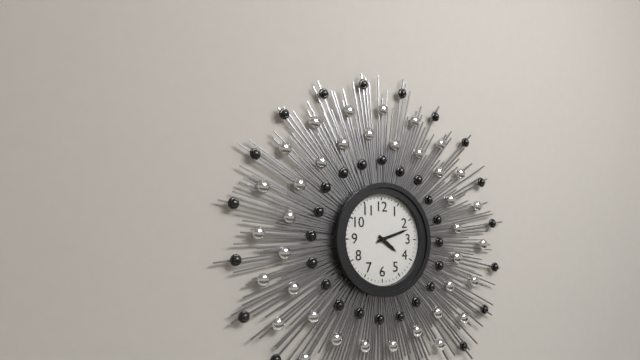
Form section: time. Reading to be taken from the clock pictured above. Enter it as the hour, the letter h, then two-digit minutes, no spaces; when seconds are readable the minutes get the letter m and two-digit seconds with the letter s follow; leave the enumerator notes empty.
4h12
